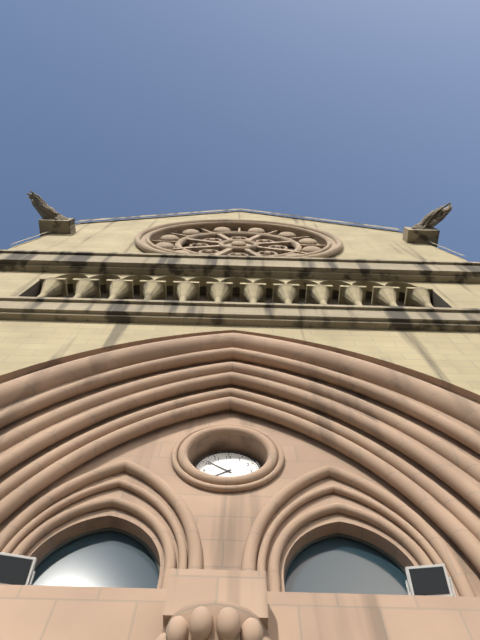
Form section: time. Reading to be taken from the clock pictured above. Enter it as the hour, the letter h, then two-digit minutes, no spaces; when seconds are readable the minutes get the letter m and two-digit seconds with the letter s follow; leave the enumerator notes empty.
7h51
